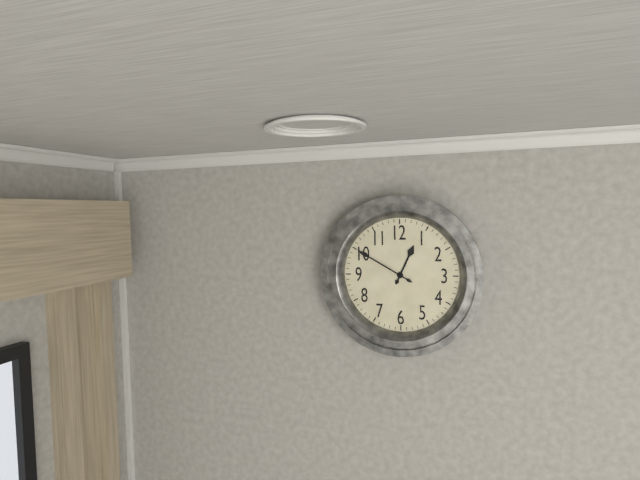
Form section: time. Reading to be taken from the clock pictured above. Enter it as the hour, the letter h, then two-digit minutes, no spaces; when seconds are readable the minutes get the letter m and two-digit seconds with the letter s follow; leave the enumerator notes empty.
12h50
